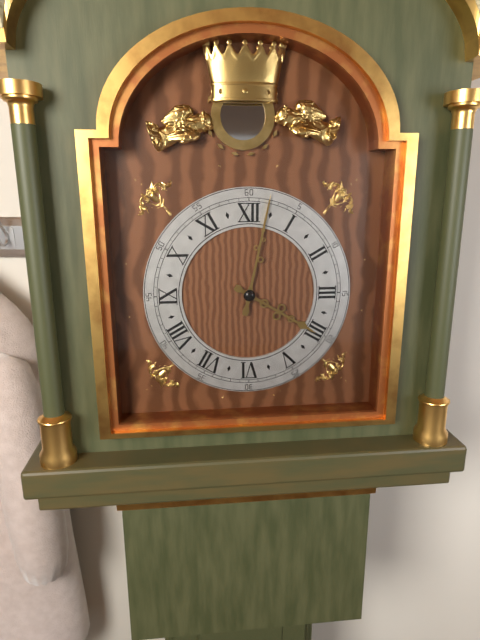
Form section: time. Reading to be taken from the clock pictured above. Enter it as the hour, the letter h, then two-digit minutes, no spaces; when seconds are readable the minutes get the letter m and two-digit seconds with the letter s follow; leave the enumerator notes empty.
4h02
